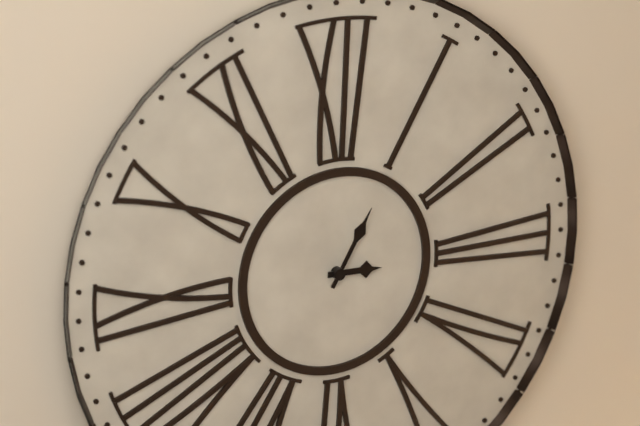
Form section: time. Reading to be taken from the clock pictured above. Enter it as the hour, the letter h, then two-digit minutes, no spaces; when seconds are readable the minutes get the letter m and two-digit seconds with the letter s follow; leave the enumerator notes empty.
3h05
